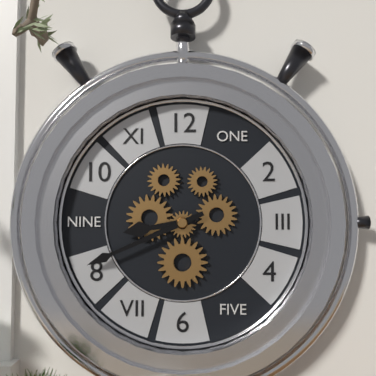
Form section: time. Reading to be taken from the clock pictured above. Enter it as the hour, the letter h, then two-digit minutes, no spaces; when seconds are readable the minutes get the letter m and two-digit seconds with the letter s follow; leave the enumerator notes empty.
8h41
